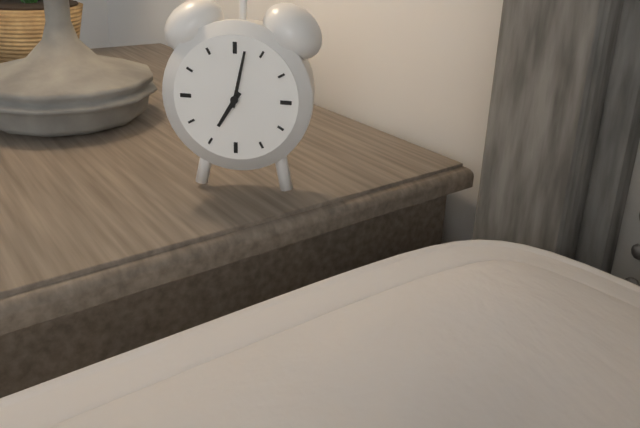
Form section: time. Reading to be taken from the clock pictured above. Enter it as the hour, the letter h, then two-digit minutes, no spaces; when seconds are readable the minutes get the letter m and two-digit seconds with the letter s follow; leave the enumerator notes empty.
7h02
